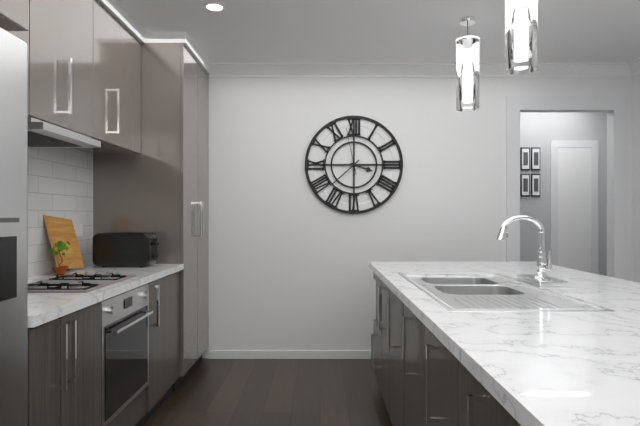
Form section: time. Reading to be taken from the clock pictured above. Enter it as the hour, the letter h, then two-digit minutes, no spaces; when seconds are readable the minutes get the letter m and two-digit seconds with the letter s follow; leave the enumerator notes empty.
3h38
